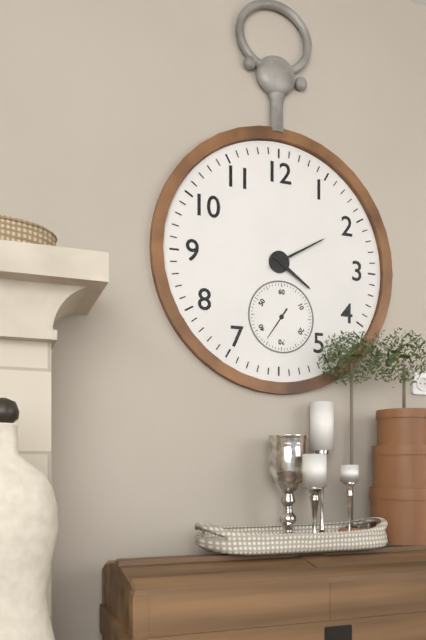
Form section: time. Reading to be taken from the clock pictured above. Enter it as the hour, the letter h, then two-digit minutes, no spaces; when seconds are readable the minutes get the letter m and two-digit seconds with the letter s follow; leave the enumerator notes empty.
4h10
